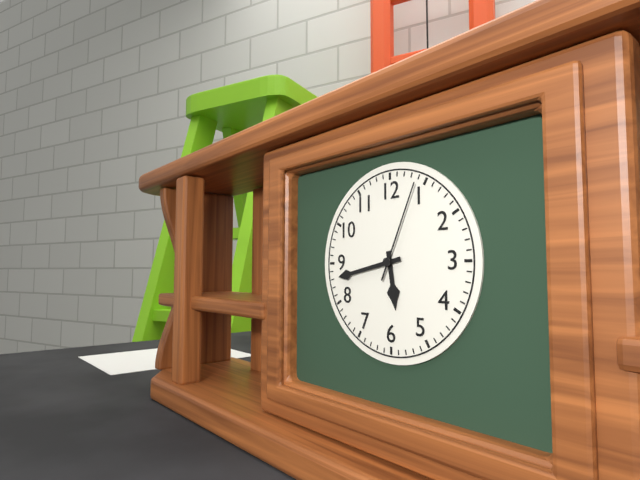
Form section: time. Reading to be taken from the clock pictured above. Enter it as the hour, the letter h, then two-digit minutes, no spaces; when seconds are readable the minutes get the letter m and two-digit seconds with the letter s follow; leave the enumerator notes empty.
5h43m04s
